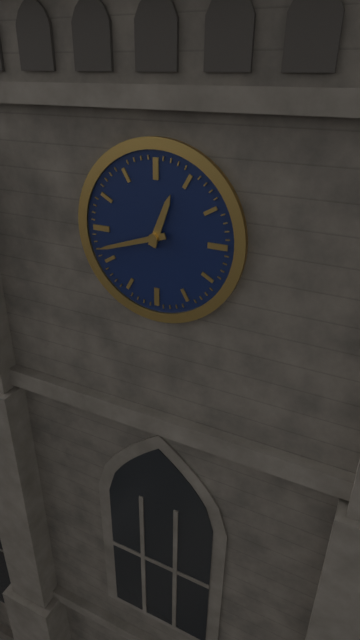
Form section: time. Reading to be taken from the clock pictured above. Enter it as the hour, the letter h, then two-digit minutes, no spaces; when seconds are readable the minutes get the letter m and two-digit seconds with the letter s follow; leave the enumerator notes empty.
12h42
